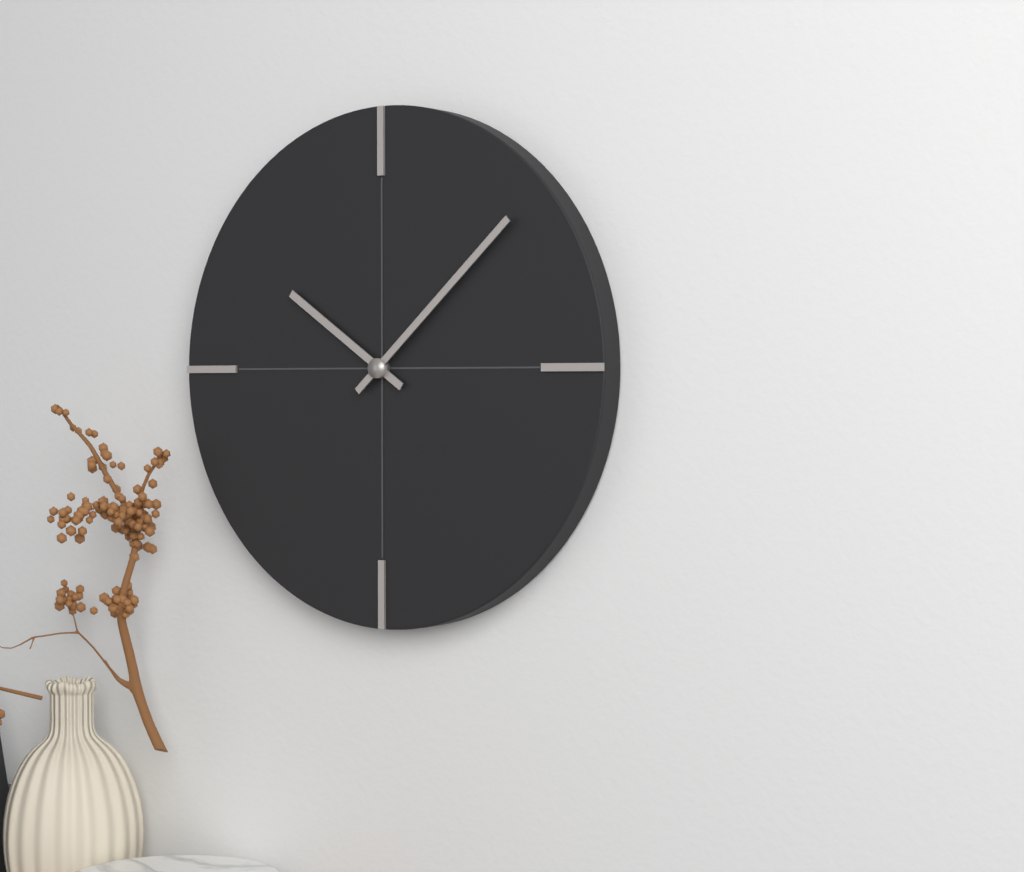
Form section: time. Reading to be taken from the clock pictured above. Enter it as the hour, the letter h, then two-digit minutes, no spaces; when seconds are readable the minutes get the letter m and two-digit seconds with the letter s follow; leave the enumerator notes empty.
10h08
